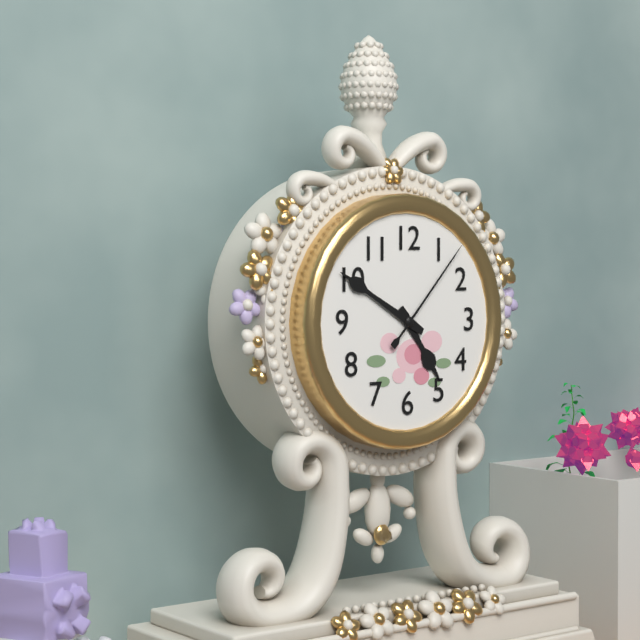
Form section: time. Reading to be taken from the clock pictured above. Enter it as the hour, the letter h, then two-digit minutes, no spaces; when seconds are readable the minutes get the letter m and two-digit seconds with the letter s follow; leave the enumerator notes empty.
4h50m07s
